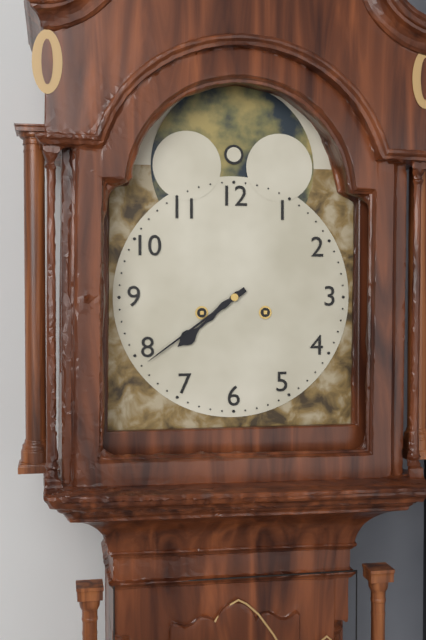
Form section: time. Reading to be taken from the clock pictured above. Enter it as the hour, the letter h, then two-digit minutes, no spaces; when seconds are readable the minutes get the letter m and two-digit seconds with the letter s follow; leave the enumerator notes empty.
7h39
